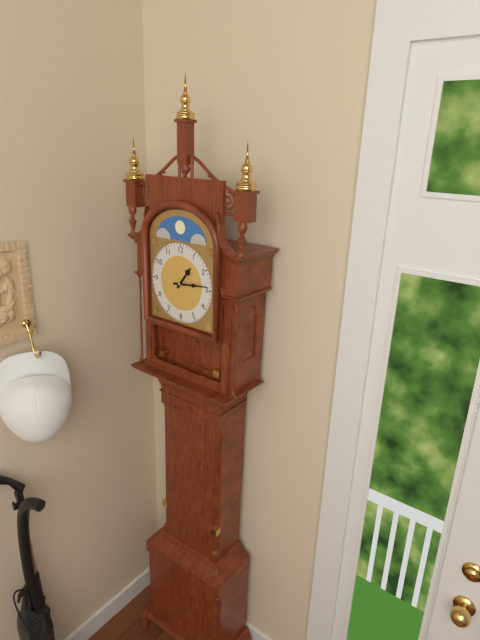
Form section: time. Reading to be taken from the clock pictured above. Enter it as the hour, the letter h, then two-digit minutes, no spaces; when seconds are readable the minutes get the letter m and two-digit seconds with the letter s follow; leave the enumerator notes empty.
1h14
